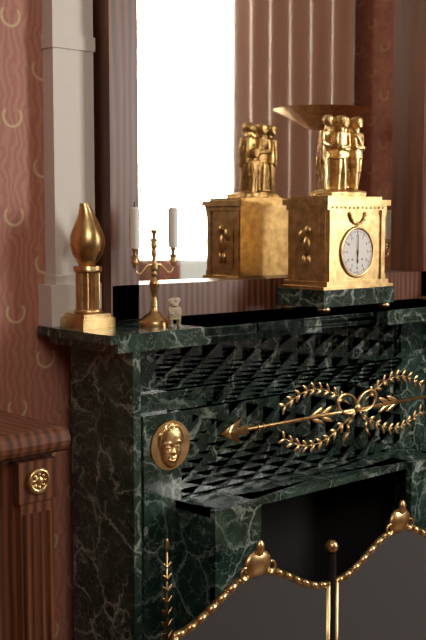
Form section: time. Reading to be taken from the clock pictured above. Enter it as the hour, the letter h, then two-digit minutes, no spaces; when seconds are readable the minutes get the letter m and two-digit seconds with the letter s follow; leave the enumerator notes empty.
6h00
